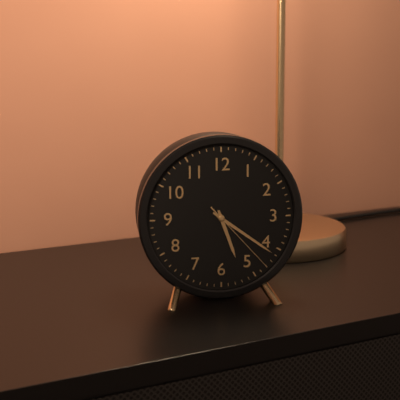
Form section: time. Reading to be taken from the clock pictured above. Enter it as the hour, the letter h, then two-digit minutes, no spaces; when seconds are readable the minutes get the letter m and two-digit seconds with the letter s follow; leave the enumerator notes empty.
5h21m23s
